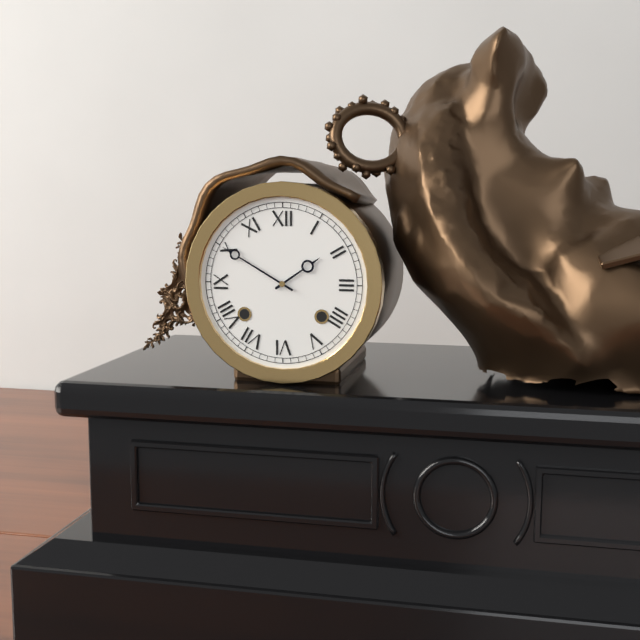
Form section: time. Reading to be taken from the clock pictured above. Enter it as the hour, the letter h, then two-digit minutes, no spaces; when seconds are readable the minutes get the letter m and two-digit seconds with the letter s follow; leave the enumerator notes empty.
1h50
